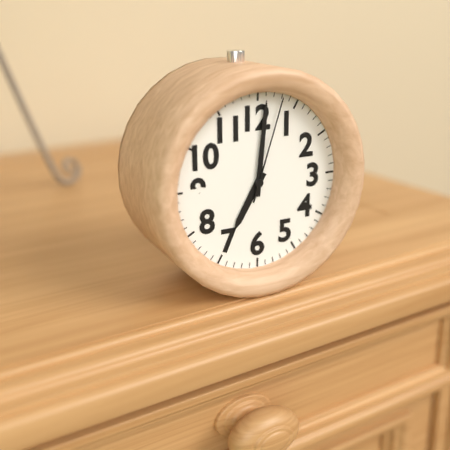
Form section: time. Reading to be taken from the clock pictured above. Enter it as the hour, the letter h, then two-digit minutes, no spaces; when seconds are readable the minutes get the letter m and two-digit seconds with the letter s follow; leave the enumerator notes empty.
7h01m03s
